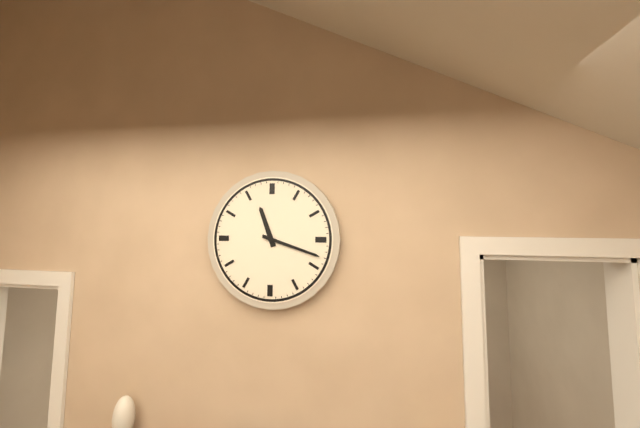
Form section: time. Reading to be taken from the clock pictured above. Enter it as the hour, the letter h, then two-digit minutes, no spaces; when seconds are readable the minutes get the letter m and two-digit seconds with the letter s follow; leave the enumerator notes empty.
11h18
